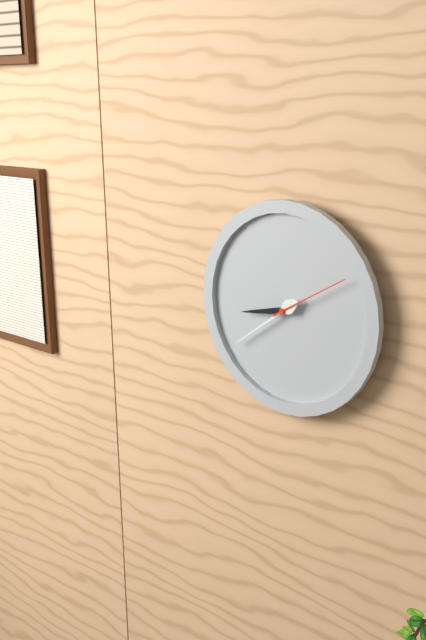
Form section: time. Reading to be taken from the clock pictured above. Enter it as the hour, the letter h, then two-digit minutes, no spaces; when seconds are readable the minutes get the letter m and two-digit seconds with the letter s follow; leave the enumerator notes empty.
8h39m10s
